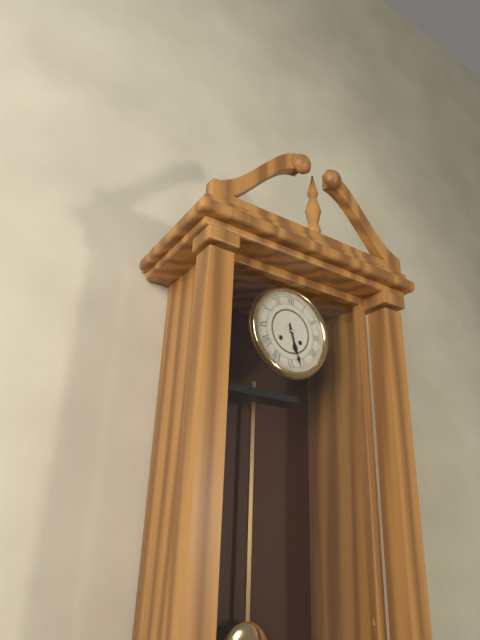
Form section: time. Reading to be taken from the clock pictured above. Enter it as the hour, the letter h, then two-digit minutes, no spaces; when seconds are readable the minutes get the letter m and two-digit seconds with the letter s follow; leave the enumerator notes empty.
5h27
